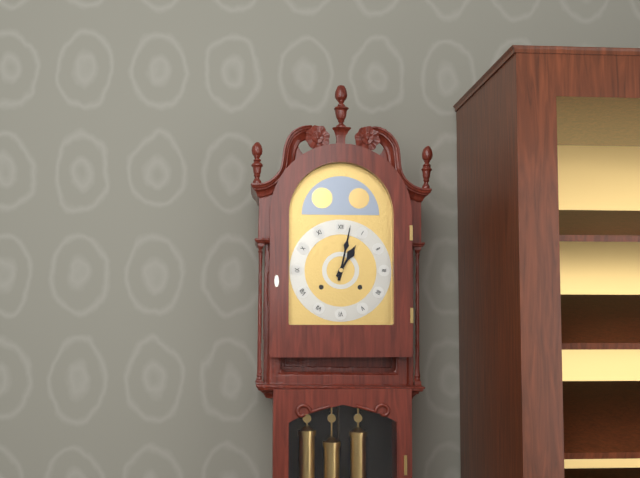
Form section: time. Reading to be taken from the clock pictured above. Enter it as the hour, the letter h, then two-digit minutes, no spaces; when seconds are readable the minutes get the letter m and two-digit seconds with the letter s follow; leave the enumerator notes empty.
1h02
